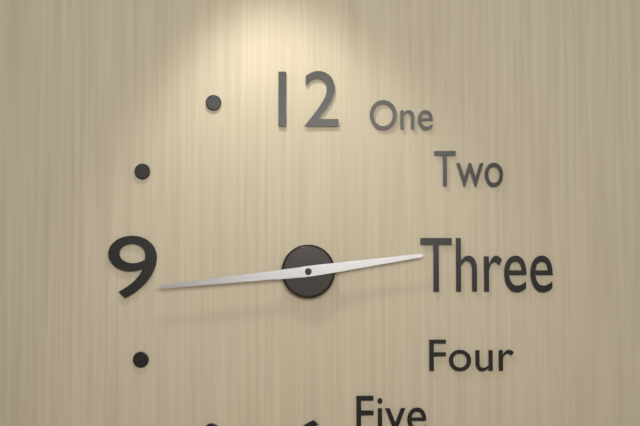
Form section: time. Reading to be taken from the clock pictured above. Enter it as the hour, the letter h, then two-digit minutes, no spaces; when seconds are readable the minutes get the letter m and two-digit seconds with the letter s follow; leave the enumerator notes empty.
2h44
